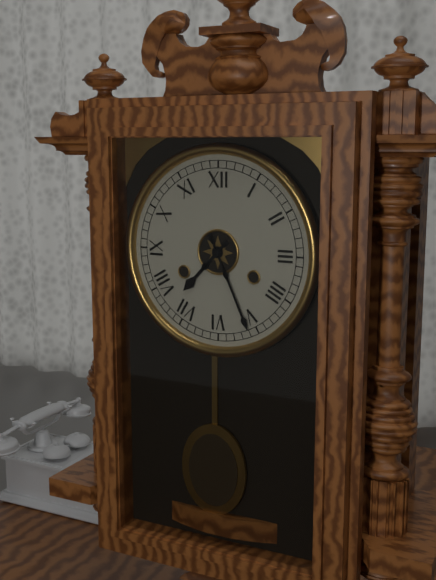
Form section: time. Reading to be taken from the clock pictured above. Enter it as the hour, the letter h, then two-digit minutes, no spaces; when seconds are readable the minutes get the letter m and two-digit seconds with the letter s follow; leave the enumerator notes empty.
7h26
